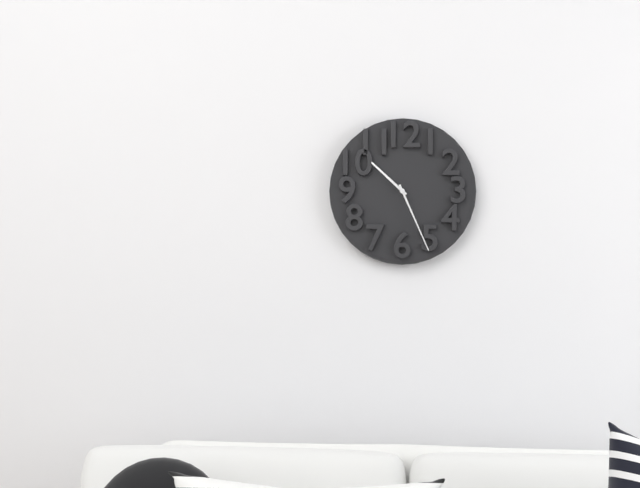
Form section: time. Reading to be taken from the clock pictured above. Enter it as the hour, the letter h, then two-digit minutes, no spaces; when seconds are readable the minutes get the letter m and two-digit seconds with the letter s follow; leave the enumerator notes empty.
10h26
